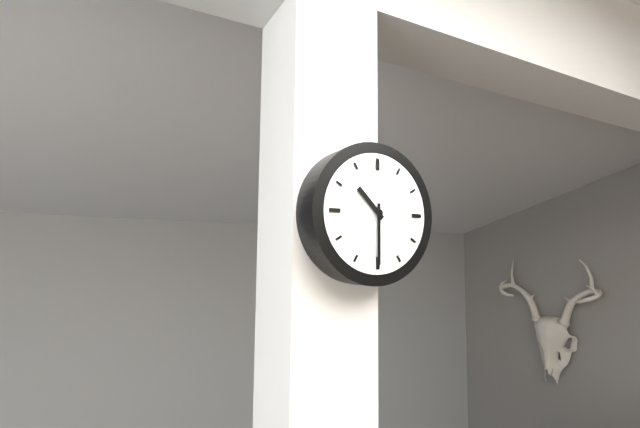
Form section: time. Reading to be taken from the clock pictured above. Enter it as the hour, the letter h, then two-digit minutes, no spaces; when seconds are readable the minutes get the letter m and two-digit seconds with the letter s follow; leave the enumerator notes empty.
10h30
